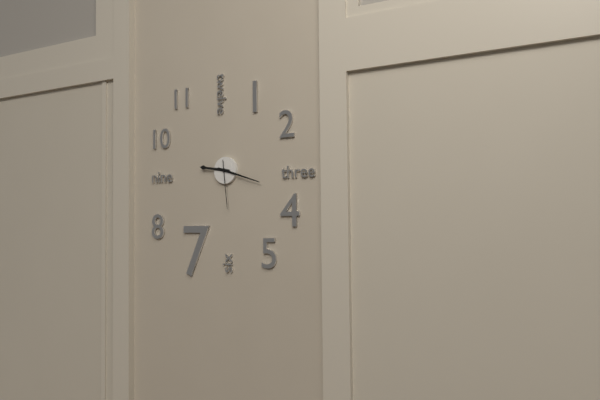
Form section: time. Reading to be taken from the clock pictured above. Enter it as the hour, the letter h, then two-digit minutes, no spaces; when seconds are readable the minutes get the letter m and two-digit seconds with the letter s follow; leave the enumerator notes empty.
9h18
